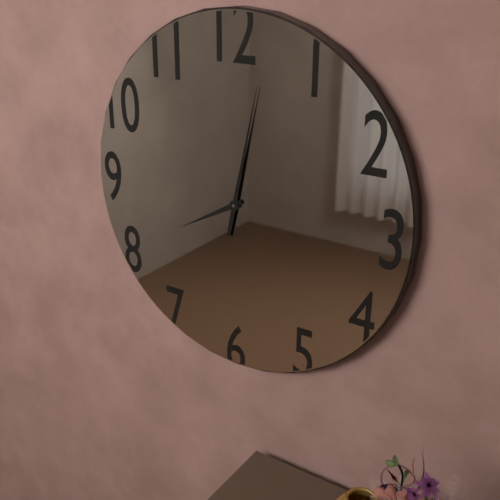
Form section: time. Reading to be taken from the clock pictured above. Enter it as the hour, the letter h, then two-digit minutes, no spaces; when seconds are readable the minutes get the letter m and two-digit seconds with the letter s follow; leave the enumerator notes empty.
8h02
